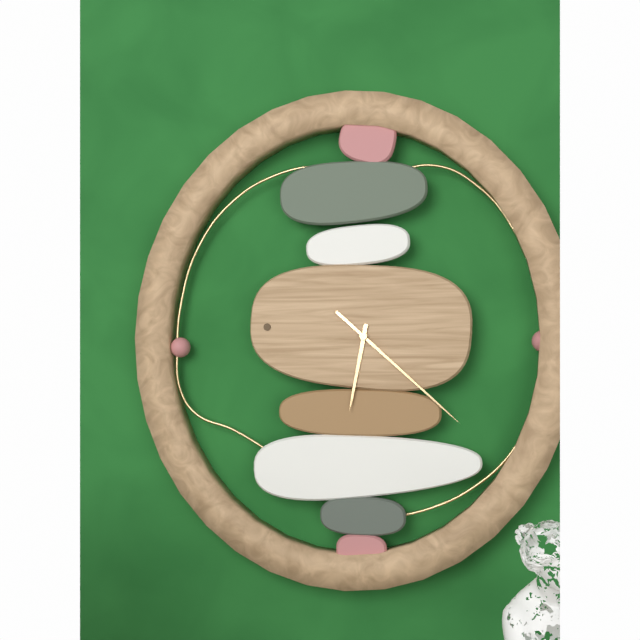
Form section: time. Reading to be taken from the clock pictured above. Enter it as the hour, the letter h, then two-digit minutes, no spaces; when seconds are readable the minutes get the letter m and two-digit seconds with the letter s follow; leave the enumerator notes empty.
6h22
